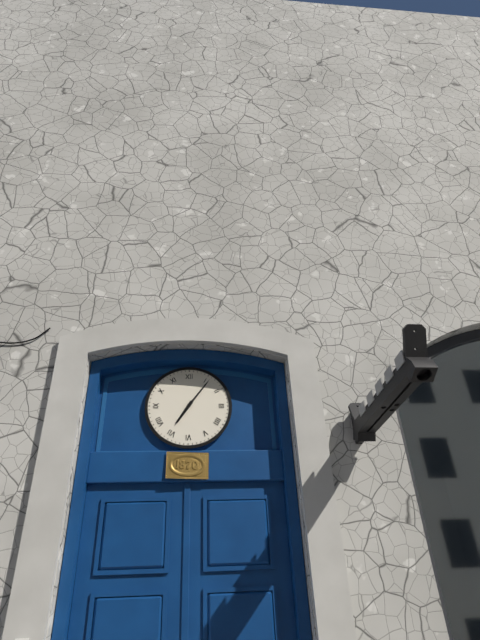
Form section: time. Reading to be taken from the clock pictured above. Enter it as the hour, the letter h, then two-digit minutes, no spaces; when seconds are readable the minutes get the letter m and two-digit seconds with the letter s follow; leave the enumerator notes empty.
7h06
